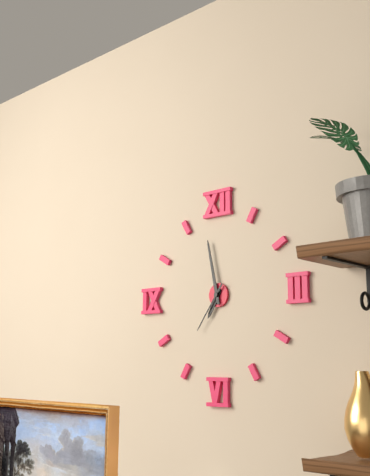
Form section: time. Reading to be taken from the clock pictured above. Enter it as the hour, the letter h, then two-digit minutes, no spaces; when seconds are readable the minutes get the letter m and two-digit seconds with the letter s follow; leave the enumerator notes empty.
6h58m36s
